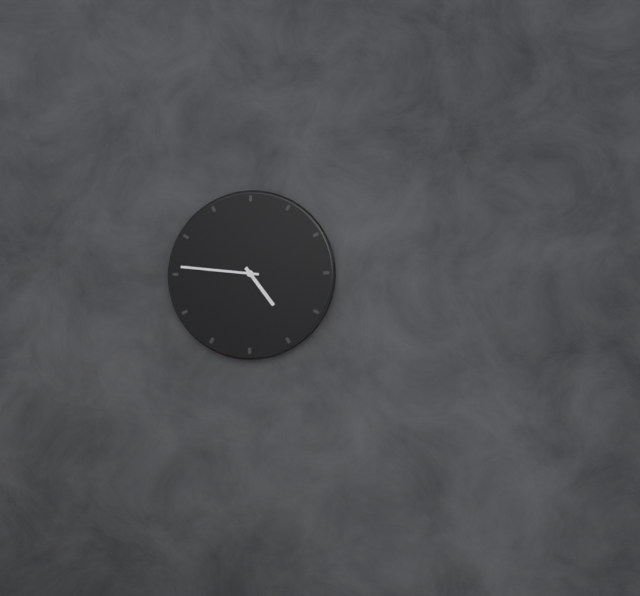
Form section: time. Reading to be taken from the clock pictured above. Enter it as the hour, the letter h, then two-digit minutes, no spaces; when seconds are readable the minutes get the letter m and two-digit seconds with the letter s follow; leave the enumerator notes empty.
4h46
